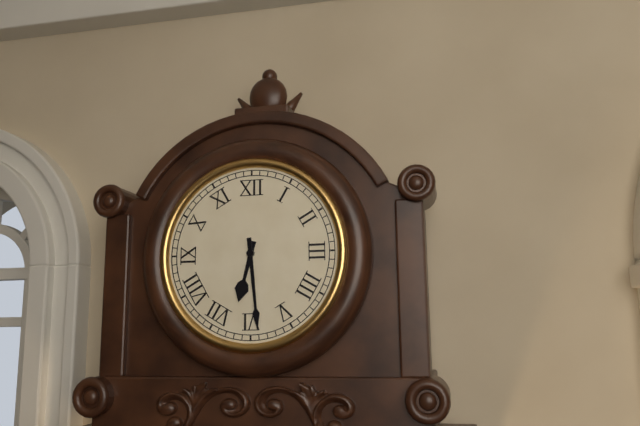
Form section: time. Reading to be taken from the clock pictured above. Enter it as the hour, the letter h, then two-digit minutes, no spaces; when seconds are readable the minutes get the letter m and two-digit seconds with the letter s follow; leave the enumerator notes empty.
6h29
